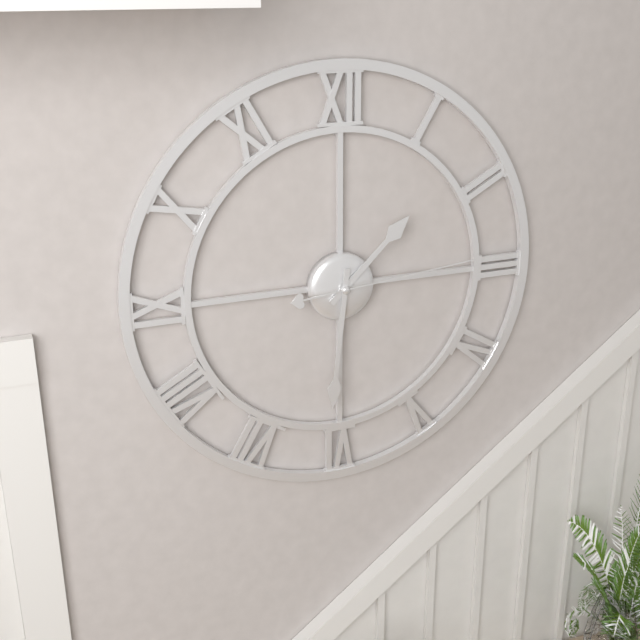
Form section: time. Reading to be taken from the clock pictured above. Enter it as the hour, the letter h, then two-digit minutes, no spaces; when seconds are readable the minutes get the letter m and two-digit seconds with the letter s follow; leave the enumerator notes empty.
1h31m14s
